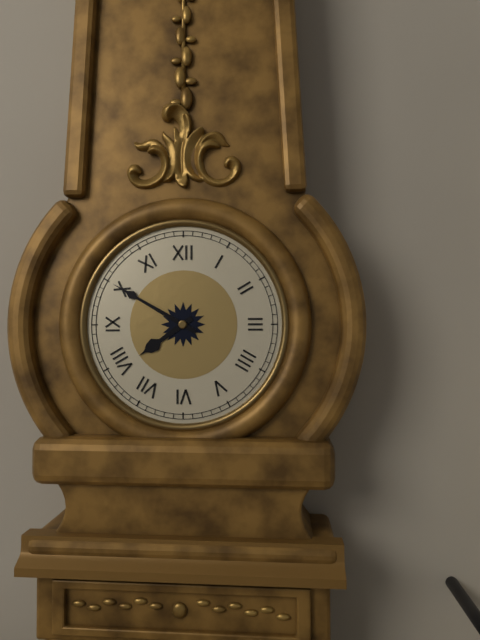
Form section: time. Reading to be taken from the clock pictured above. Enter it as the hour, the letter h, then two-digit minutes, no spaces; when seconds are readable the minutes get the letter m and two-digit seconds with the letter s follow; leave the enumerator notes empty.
7h50
